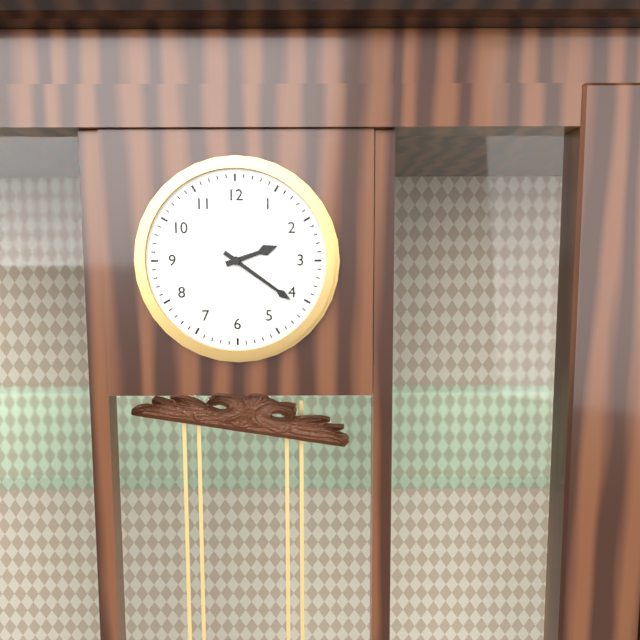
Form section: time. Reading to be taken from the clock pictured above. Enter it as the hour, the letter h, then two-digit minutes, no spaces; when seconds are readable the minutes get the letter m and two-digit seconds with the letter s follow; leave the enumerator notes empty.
2h21
